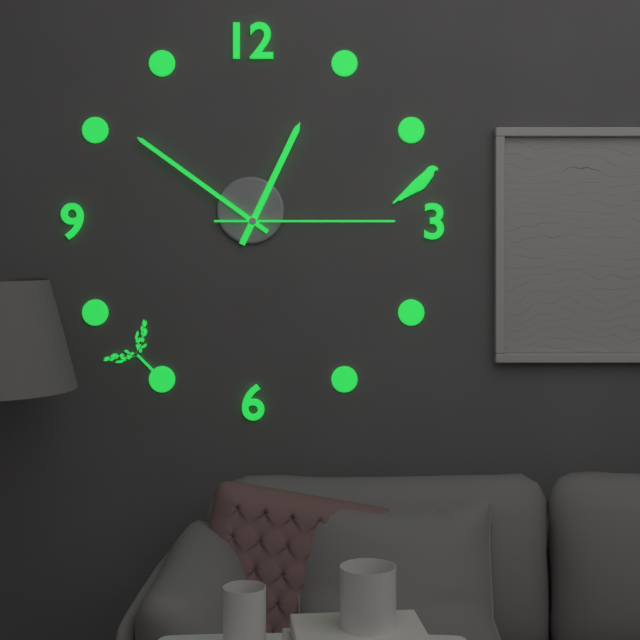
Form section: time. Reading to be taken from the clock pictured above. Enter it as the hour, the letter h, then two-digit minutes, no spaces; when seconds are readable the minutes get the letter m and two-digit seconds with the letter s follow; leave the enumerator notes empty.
12h51m15s
